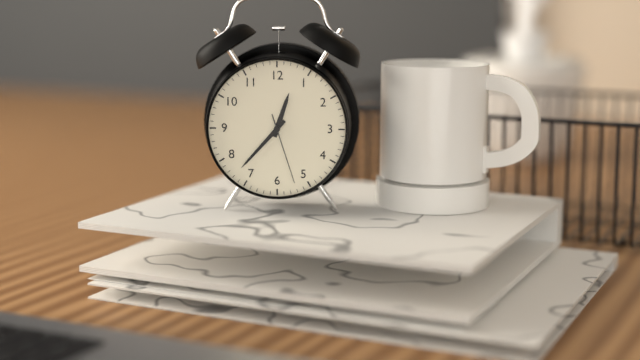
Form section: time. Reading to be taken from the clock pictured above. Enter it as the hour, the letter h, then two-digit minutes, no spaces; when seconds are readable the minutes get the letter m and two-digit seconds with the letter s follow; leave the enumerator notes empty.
12h37m27s
